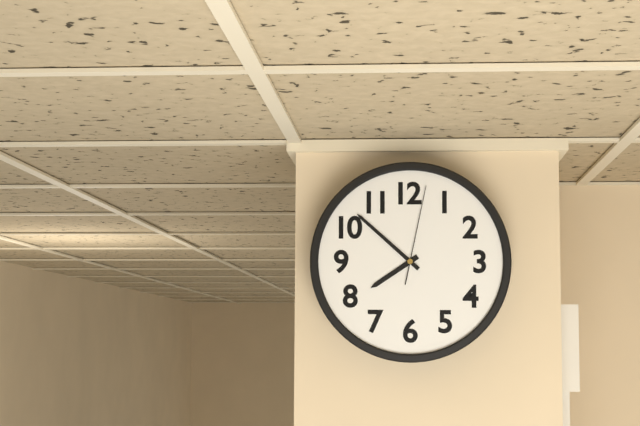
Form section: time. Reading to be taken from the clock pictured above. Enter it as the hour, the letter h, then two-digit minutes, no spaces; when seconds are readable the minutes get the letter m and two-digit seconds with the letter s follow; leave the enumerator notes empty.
7h52m02s
